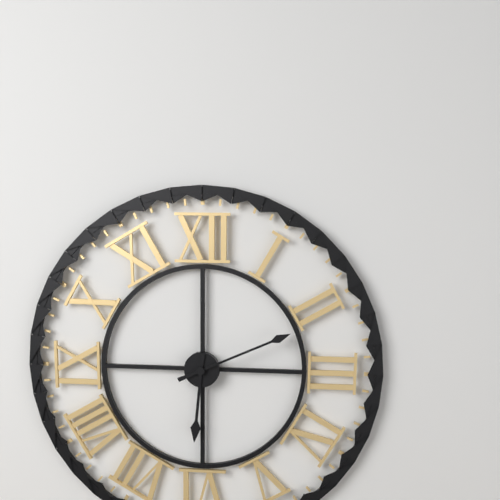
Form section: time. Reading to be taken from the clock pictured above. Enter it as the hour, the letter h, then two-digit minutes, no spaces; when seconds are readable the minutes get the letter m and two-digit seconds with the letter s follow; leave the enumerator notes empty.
6h11
